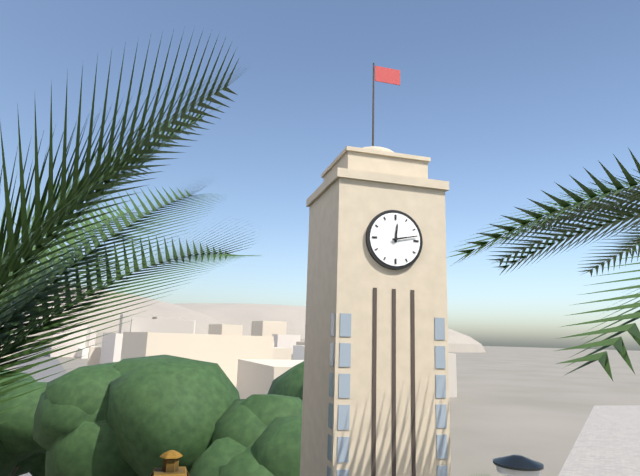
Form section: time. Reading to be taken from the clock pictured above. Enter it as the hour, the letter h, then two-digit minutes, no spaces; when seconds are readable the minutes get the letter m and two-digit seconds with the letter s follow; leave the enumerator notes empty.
12h13
